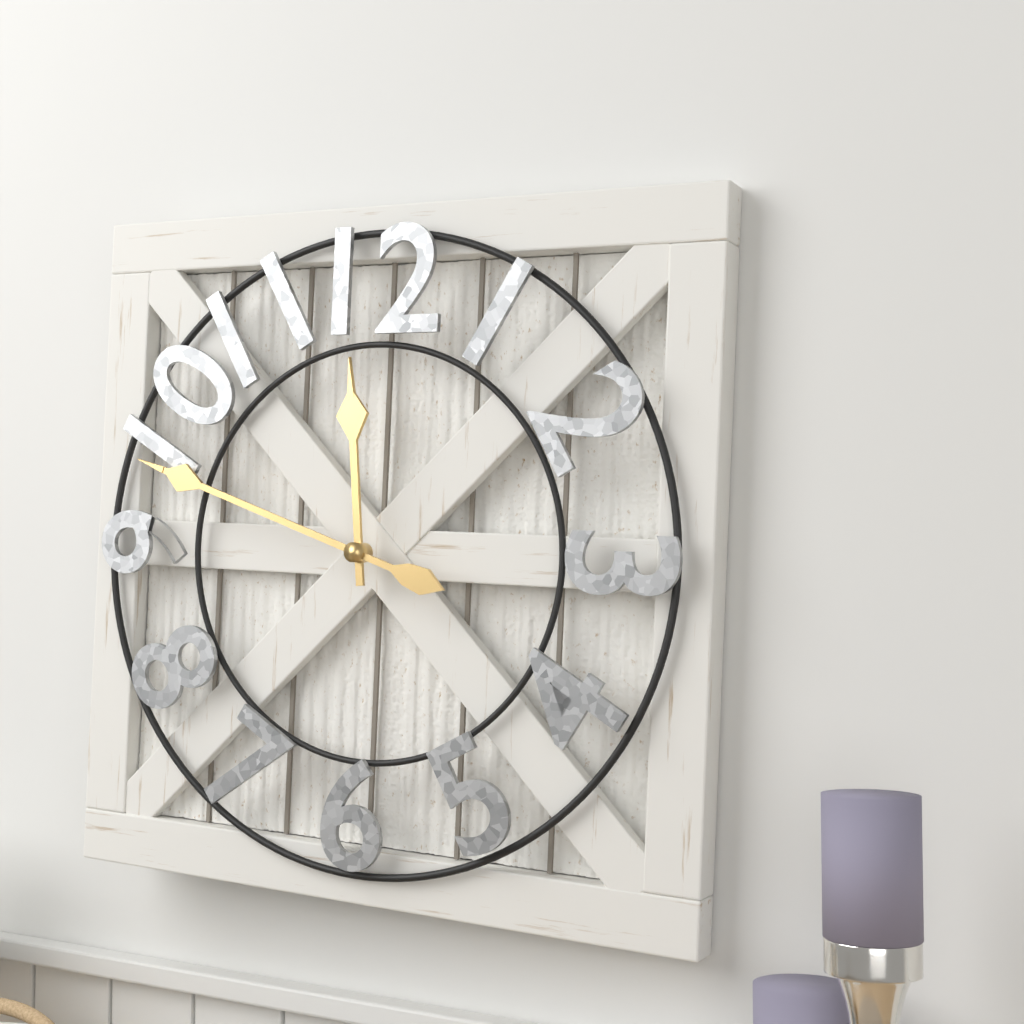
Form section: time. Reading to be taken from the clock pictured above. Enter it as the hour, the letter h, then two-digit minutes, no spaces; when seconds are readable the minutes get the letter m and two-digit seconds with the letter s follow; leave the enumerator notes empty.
11h48
